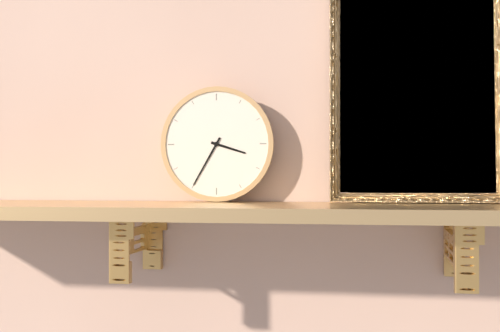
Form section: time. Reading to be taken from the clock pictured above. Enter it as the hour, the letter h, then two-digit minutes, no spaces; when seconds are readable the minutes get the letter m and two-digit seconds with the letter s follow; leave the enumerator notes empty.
3h35
